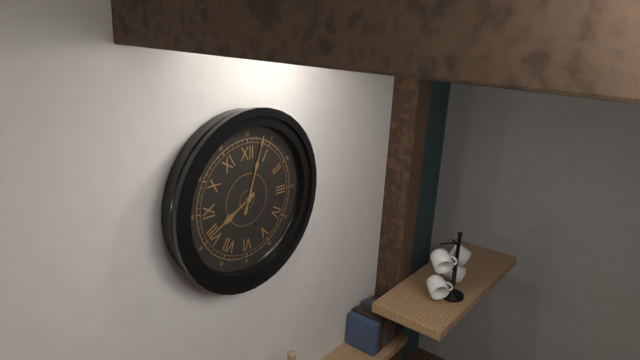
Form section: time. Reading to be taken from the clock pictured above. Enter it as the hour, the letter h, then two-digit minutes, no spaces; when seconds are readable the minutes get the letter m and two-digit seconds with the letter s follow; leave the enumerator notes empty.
8h03
